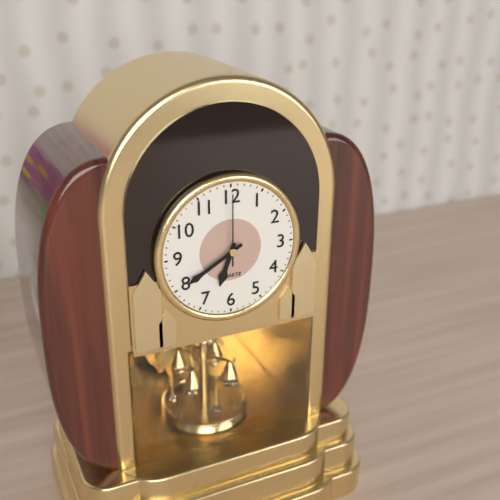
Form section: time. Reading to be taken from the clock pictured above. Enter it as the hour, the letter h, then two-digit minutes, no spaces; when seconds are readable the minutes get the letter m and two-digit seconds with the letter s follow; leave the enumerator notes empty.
6h40m00s
